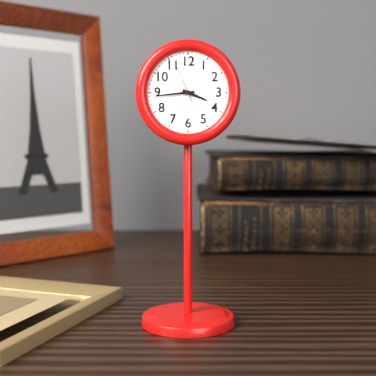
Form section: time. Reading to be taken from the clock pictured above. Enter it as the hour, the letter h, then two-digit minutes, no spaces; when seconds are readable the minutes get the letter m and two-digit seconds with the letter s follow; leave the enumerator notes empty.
3h44
